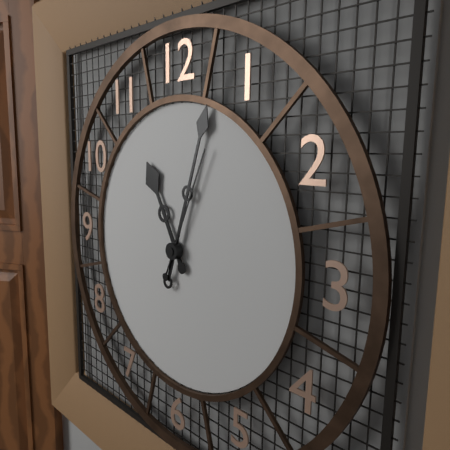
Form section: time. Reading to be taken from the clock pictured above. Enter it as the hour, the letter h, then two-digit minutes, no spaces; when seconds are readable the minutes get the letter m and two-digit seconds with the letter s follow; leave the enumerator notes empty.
11h03m04s
